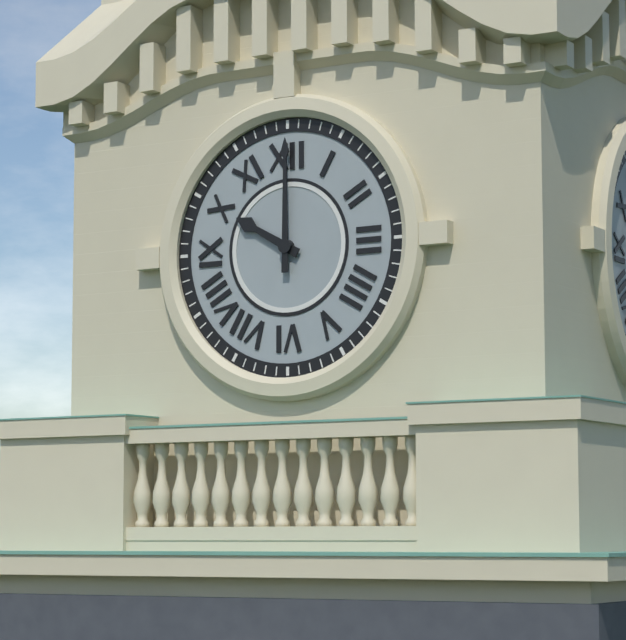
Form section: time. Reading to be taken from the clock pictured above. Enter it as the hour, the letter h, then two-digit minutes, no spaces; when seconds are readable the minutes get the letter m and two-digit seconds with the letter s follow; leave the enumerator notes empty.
10h00
